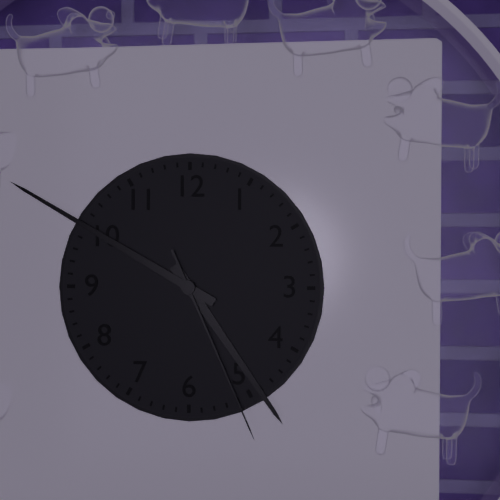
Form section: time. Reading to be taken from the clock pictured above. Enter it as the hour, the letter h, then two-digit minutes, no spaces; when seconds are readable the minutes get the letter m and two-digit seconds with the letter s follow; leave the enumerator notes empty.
4h50m26s
